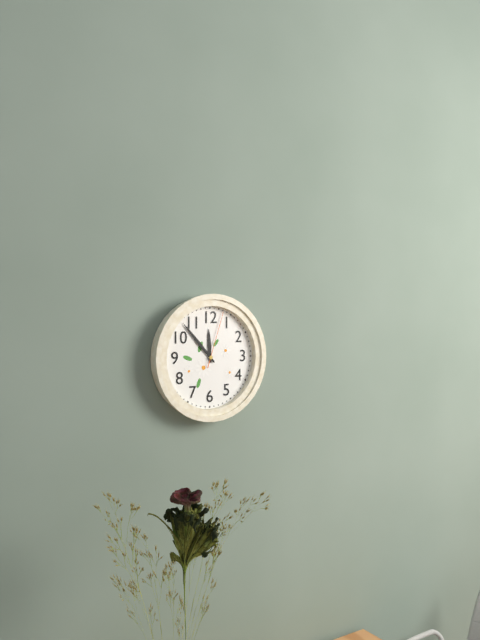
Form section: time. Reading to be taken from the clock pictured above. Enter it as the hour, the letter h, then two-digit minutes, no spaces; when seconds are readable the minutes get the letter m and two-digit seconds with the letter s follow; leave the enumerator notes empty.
11h53m03s
